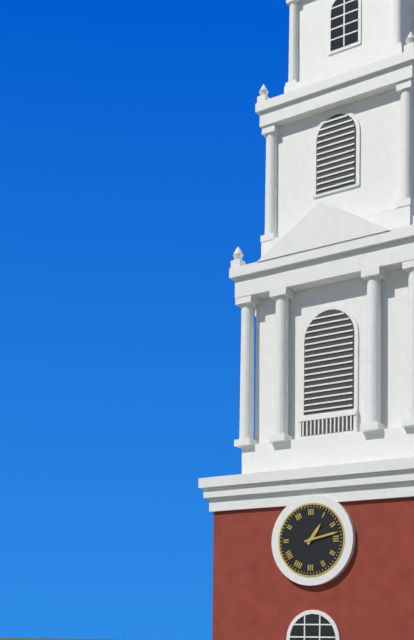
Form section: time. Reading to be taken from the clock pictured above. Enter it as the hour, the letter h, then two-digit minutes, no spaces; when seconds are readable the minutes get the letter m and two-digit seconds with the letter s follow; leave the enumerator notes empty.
1h13
